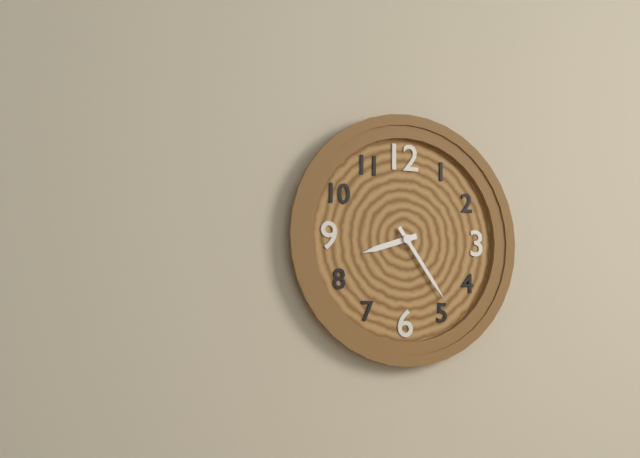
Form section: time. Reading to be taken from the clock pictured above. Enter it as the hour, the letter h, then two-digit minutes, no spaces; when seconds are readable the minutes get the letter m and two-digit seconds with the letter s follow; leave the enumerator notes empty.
8h24
